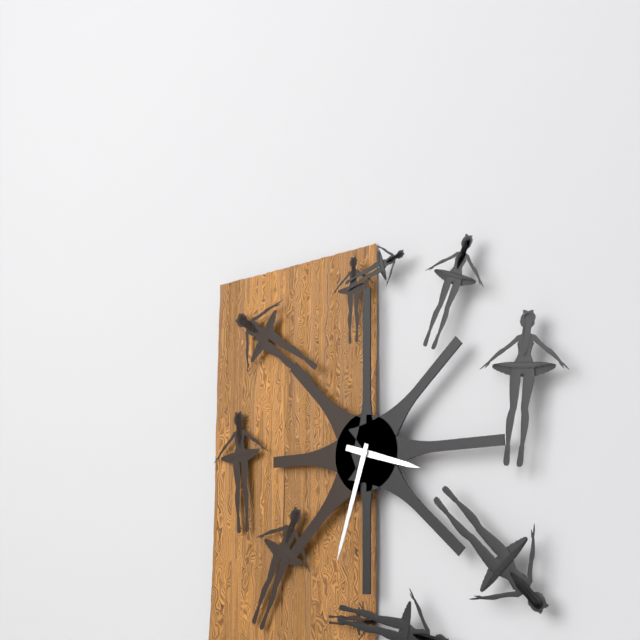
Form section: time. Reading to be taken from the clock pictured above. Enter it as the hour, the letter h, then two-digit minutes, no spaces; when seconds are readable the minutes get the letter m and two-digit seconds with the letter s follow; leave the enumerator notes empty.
3h33
